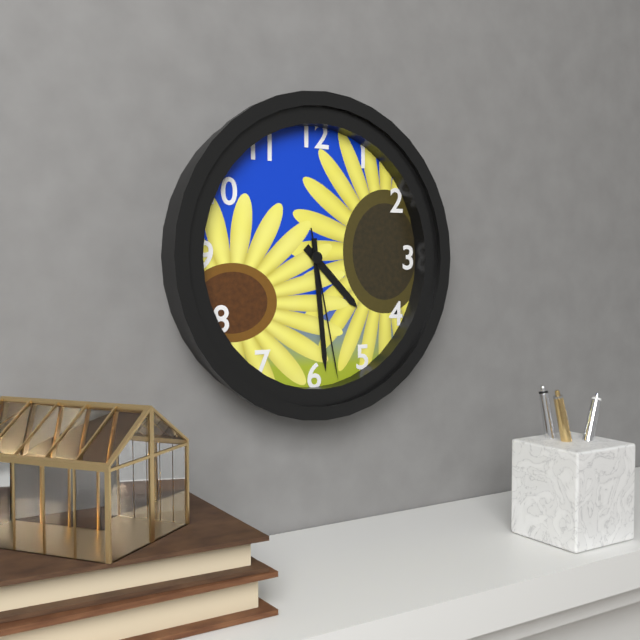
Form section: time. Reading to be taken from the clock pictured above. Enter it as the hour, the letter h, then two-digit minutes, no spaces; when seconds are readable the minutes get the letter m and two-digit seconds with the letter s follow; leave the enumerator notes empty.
4h29m28s
